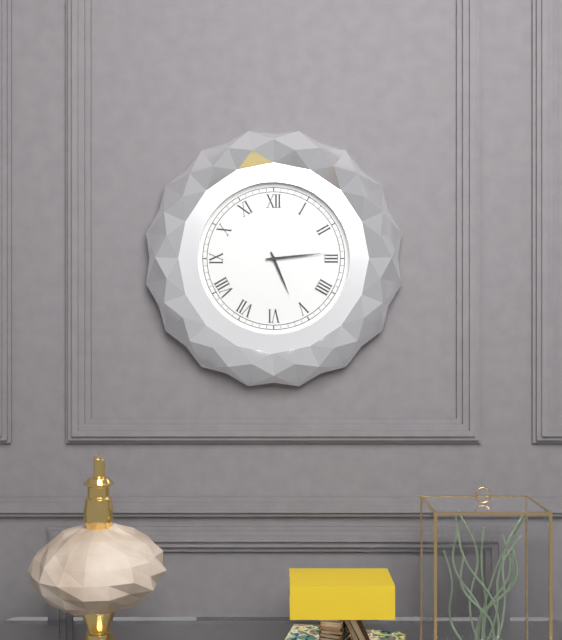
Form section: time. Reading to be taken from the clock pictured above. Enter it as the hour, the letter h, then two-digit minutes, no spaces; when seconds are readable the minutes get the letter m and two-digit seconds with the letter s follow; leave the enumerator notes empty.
5h14
